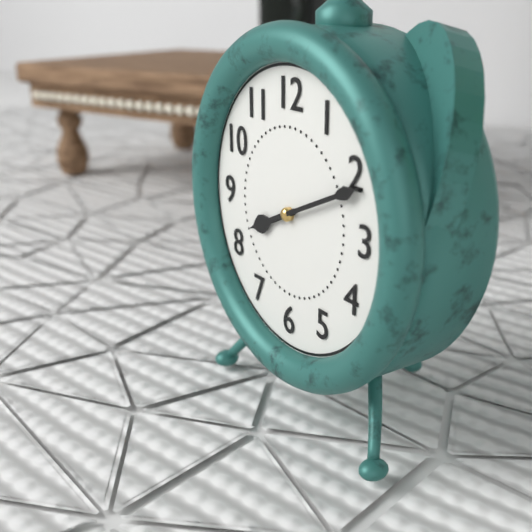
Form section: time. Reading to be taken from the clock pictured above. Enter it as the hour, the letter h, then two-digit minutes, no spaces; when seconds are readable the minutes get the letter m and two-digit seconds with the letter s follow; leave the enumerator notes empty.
8h11
